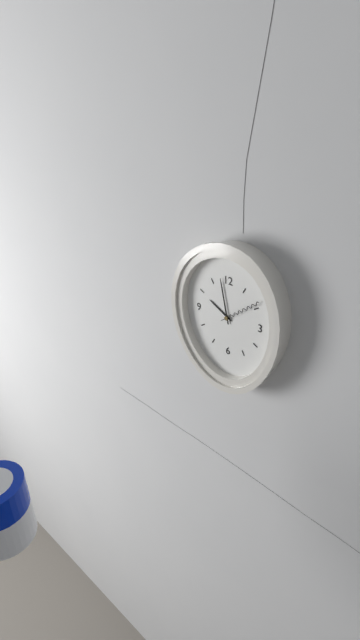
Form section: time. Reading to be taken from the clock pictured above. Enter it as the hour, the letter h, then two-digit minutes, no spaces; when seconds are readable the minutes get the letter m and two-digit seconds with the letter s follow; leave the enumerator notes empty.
9h58
